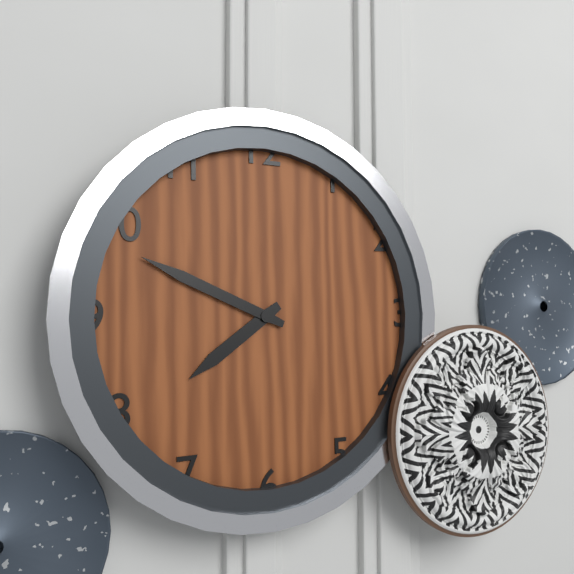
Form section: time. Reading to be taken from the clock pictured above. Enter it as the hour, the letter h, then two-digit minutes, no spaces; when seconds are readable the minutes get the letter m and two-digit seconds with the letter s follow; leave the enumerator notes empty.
7h49
